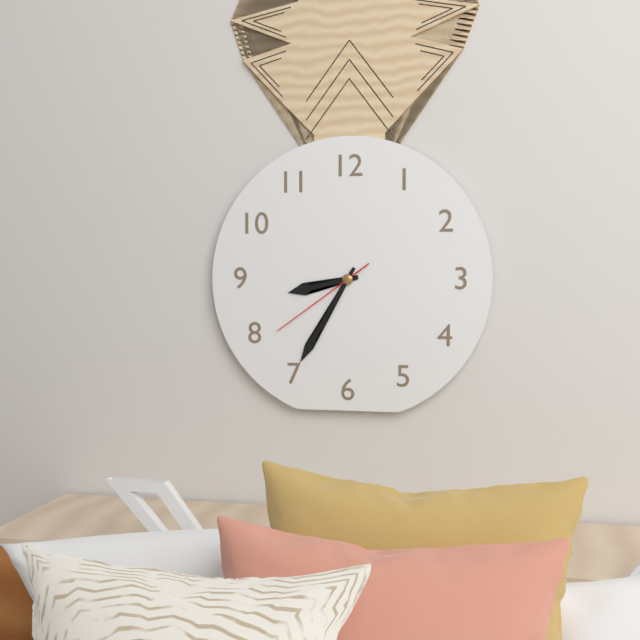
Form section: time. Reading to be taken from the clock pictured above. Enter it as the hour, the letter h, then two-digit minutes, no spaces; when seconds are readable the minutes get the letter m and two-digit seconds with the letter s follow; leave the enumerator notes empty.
8h35m39s
